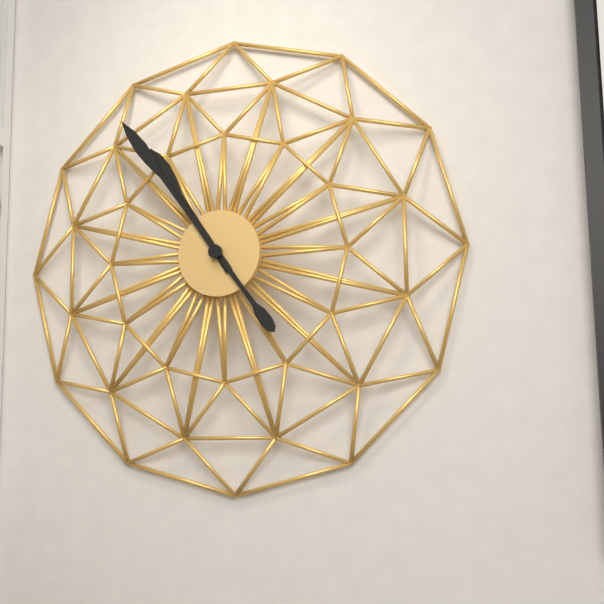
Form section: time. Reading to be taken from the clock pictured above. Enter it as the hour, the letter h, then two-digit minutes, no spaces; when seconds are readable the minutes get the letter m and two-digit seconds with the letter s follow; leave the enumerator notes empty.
10h54
